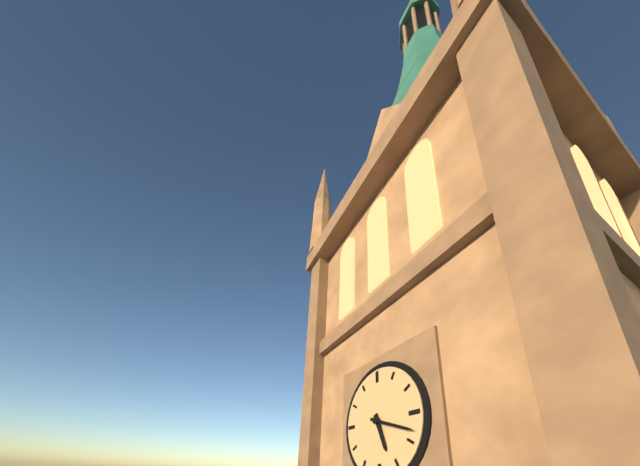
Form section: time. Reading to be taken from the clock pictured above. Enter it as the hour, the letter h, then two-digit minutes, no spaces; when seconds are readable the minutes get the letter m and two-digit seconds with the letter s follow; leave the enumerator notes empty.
5h18
